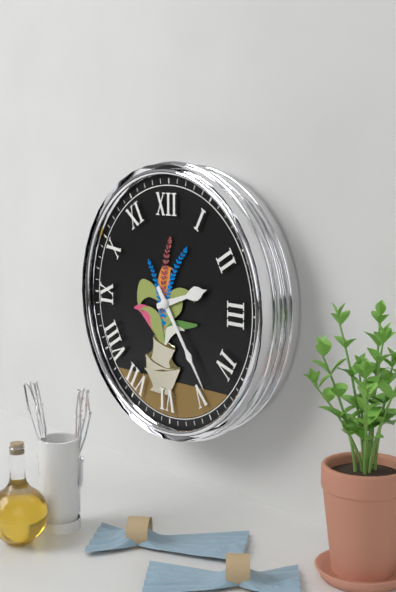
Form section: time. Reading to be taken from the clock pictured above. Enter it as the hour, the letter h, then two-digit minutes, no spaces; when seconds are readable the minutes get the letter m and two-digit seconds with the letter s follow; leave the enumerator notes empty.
2h24
